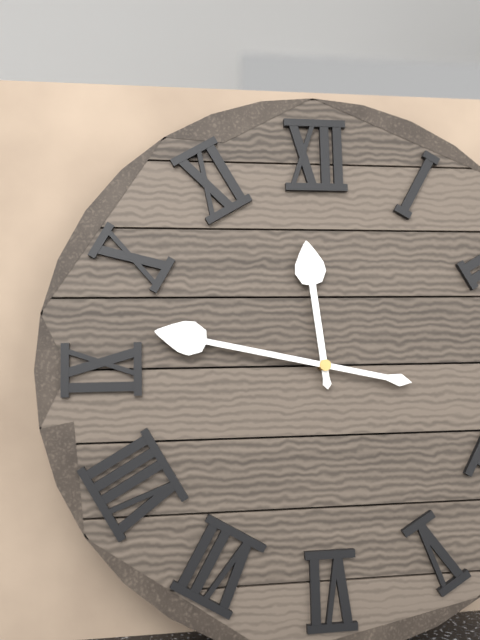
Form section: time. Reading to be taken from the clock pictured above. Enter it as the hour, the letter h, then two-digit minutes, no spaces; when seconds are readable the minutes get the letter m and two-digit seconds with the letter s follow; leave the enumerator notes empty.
11h47
